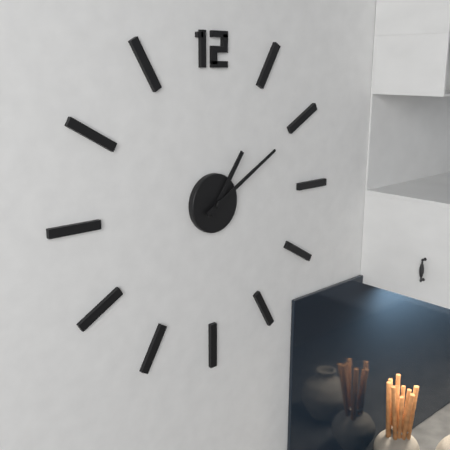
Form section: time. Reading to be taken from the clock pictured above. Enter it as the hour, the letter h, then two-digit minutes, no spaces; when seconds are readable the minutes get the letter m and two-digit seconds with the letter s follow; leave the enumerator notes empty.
1h10
